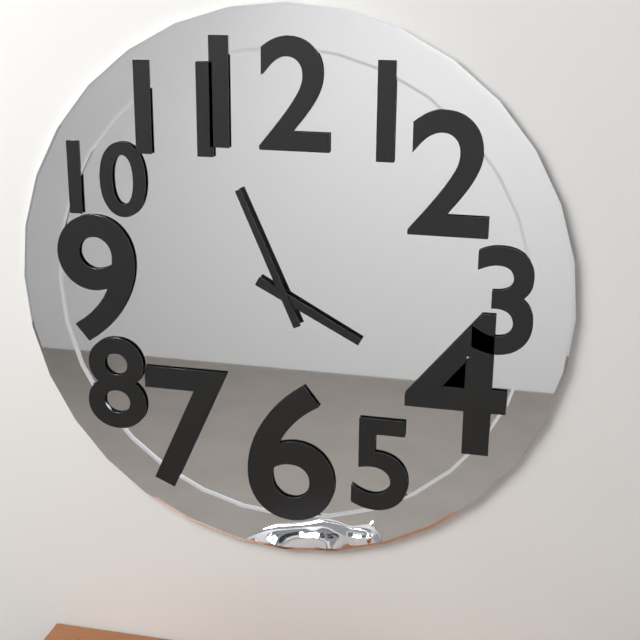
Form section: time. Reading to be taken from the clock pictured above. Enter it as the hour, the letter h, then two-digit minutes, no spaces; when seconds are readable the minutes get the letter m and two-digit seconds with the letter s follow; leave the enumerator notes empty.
3h56
